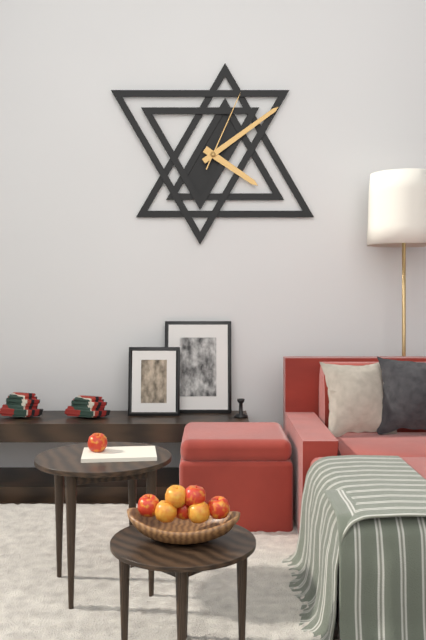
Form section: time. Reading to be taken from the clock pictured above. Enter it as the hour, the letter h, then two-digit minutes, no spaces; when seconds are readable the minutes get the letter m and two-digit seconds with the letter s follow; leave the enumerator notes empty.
4h09m04s
